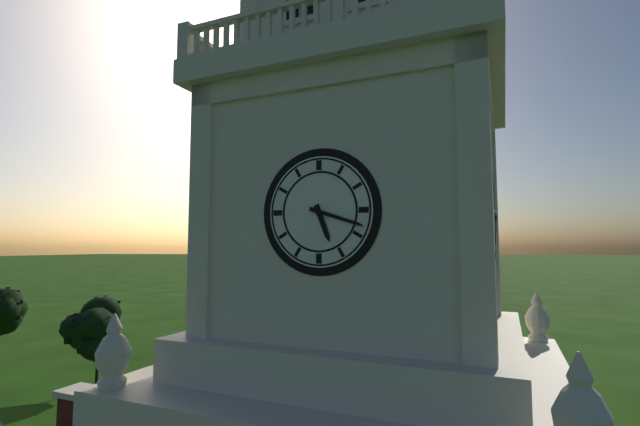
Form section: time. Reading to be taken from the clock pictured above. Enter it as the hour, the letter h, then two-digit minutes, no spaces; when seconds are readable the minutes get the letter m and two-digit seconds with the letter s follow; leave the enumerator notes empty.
5h18
